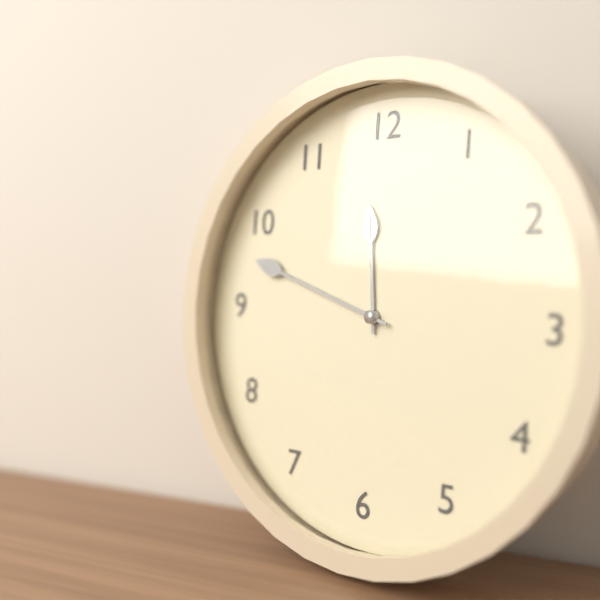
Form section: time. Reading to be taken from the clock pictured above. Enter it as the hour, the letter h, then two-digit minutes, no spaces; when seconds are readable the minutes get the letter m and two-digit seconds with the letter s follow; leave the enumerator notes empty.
11h48
